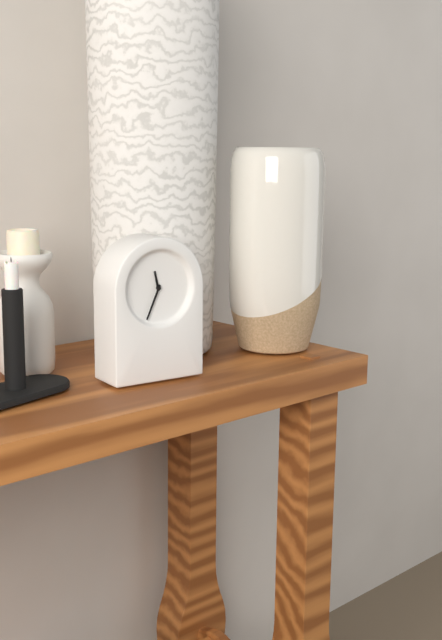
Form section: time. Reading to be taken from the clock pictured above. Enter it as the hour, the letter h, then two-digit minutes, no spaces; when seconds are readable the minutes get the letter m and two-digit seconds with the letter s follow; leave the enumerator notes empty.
11h34
